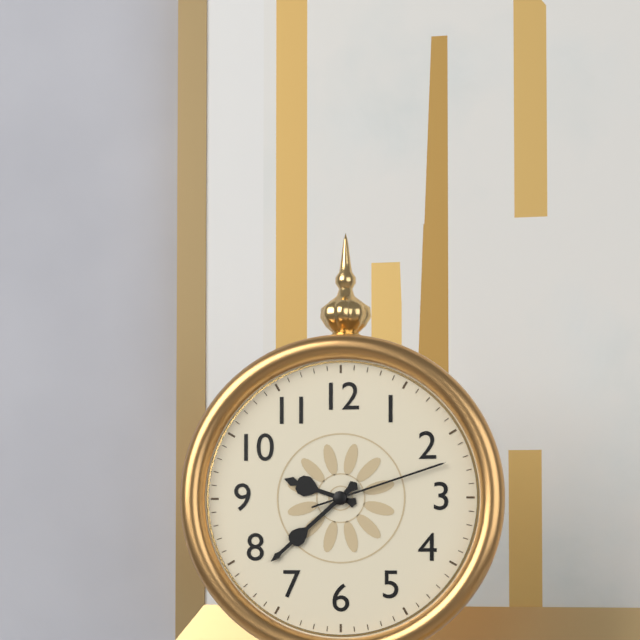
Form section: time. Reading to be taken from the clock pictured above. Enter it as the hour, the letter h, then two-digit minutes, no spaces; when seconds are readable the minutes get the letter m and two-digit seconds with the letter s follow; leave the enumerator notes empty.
9h38m12s
